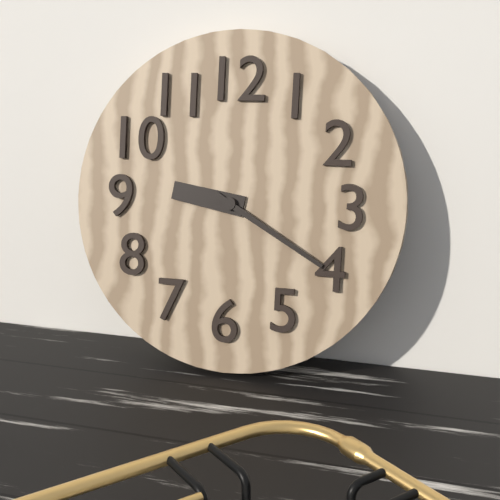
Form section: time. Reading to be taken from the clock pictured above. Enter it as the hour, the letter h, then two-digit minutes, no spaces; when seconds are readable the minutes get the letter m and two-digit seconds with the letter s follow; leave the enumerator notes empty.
9h20
